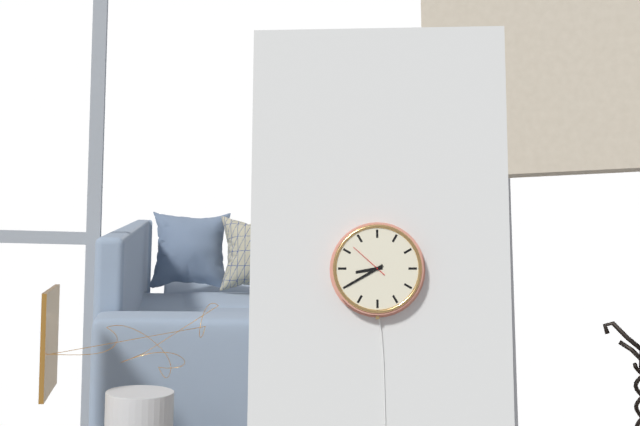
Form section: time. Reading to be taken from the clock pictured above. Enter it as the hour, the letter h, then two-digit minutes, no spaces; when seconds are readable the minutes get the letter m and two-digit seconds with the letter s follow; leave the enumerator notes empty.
8h40
